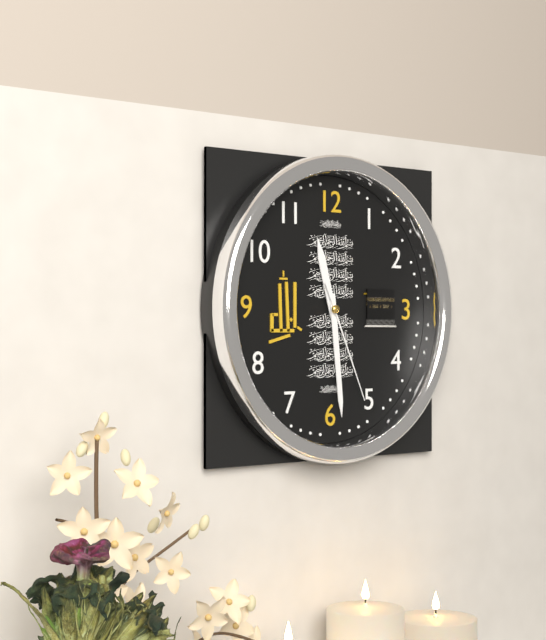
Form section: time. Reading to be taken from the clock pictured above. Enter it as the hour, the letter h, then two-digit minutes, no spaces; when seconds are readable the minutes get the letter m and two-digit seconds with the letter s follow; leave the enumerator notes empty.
11h29m26s
